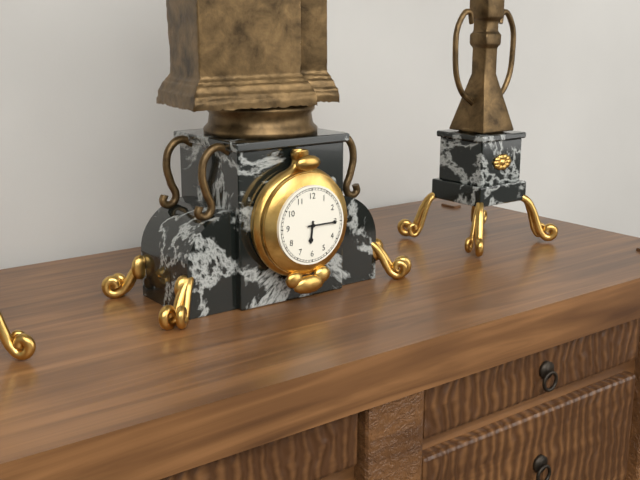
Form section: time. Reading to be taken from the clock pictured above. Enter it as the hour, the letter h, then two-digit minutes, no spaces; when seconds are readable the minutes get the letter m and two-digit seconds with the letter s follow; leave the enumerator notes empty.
6h15
